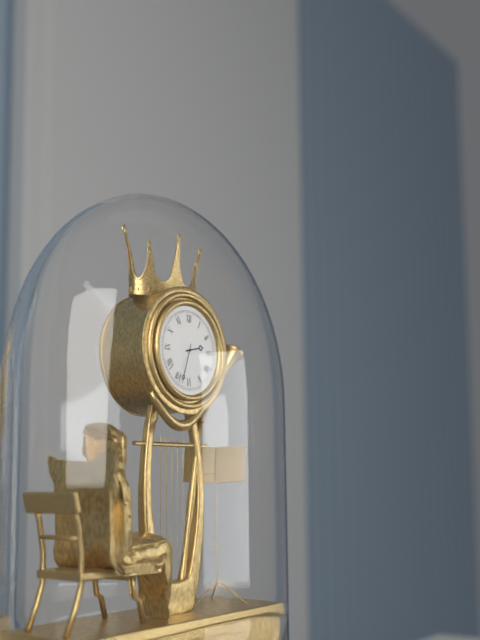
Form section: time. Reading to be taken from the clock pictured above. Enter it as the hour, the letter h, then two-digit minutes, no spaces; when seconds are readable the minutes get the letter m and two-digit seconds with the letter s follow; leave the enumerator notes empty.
2h33
